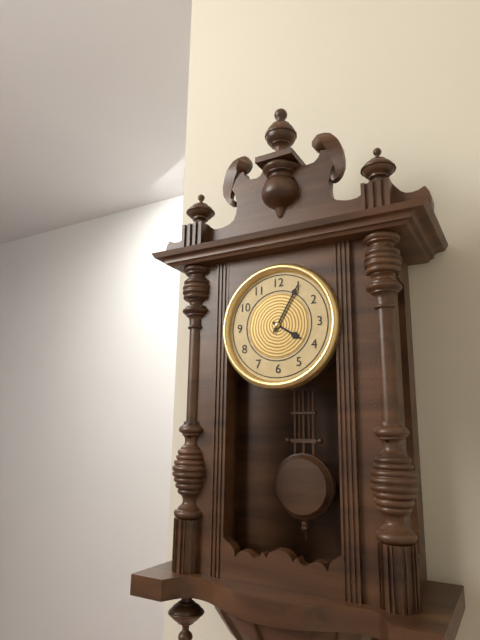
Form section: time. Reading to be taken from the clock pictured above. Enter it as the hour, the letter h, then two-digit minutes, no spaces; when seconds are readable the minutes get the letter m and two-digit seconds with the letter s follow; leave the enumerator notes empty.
4h05
